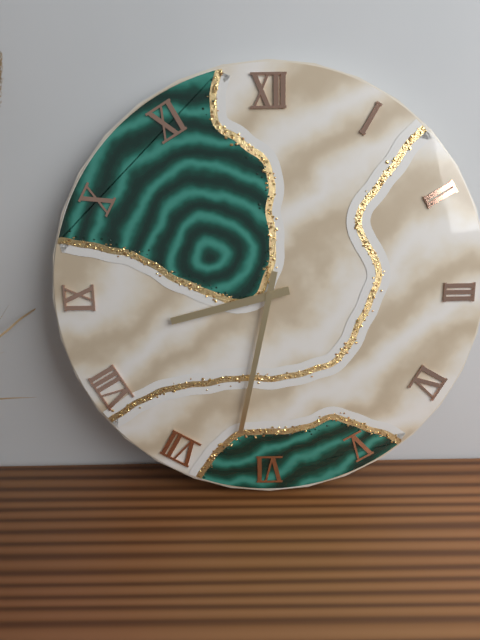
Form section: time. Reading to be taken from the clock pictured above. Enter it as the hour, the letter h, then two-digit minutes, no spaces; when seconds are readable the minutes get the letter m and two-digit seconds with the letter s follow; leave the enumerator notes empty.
8h32
